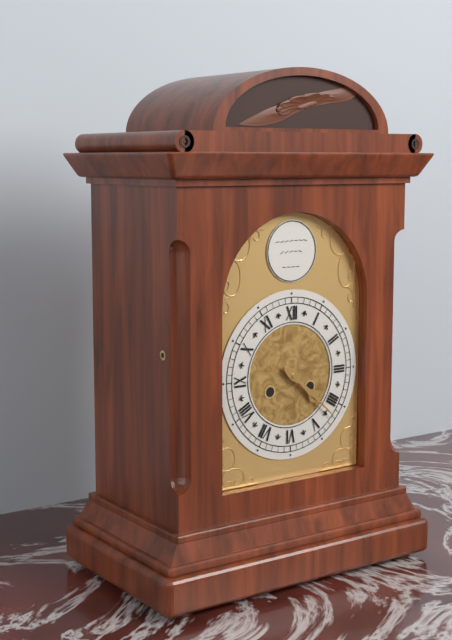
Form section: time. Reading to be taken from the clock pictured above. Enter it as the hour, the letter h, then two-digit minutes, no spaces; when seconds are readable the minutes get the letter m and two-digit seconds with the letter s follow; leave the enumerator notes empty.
4h22
